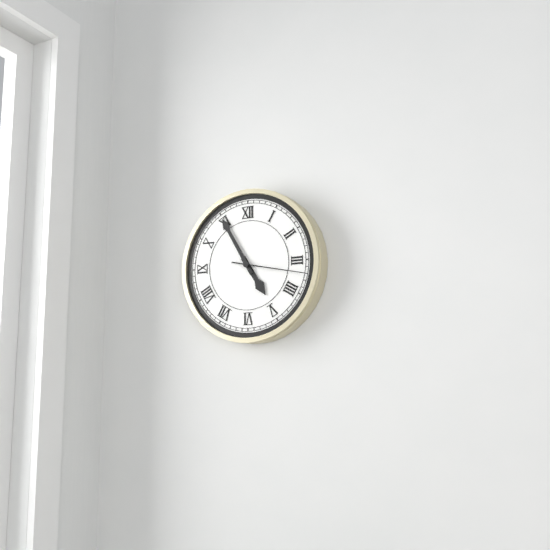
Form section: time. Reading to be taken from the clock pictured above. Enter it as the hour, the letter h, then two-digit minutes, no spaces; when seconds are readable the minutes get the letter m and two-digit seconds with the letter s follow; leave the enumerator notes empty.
4h55m17s
